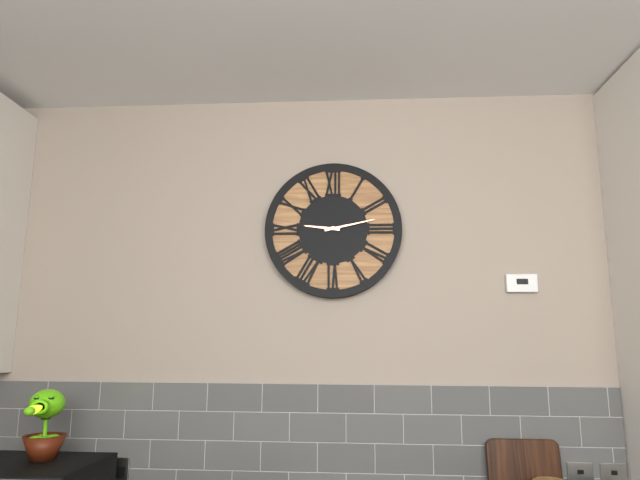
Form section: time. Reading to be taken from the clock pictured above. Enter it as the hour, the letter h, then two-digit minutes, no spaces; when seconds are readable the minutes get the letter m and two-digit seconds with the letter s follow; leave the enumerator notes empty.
9h13
